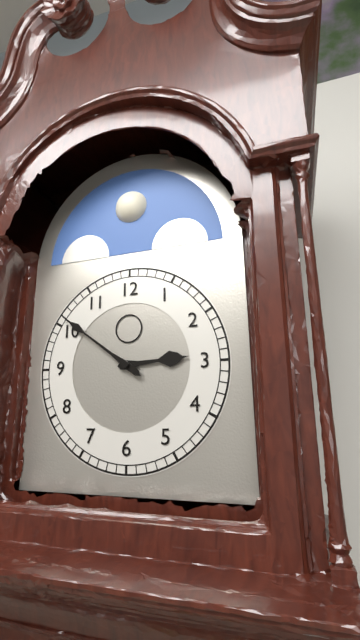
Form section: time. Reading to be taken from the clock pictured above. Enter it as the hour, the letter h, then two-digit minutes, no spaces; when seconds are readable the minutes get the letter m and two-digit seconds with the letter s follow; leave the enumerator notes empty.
2h51
